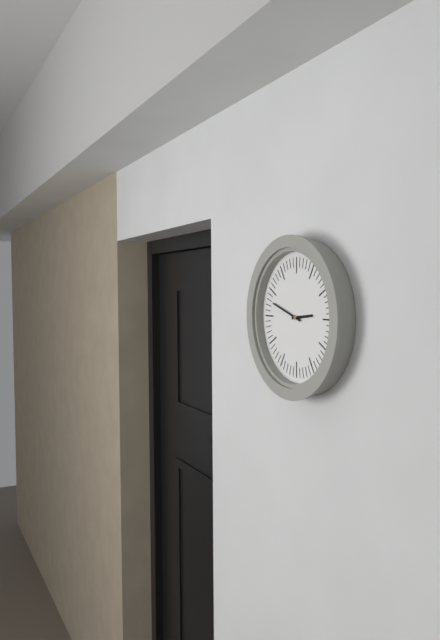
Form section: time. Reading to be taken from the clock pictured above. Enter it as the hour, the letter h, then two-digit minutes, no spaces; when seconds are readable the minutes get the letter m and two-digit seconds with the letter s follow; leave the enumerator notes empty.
2h48
